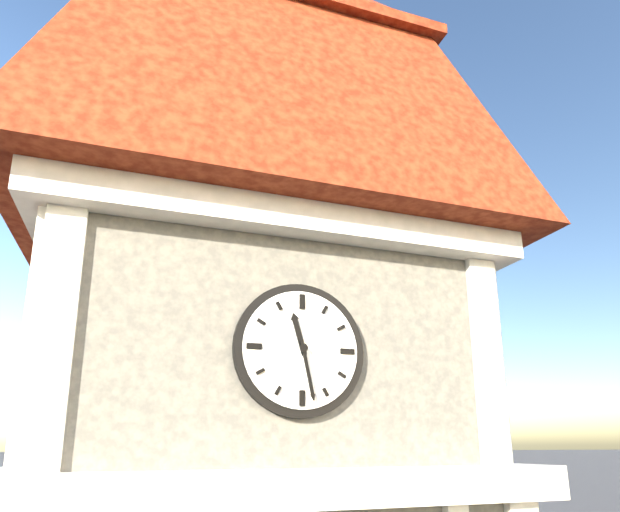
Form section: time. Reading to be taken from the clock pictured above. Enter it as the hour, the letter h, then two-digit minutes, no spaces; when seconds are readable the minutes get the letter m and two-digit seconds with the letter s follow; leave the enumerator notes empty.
11h28
